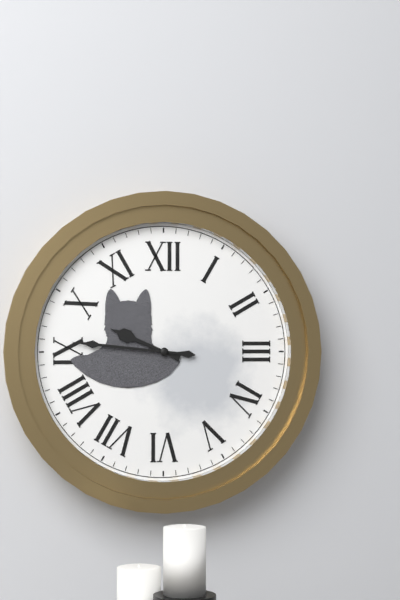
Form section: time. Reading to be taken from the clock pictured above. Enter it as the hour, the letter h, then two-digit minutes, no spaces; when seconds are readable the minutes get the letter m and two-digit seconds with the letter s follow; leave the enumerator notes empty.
9h46
